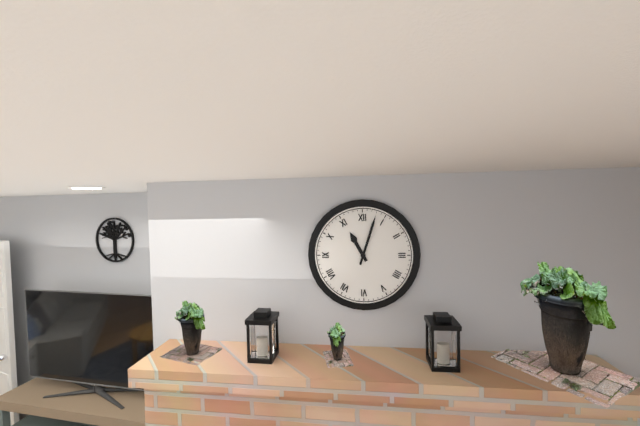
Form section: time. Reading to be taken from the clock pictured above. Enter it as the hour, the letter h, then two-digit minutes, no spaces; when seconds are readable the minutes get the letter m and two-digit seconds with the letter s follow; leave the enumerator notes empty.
11h03
